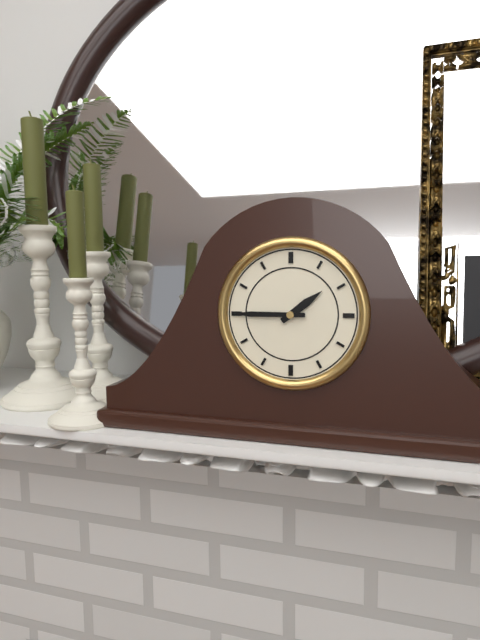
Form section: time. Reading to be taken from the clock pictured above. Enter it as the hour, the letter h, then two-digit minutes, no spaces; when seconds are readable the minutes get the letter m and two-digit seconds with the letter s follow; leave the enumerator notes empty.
1h45
